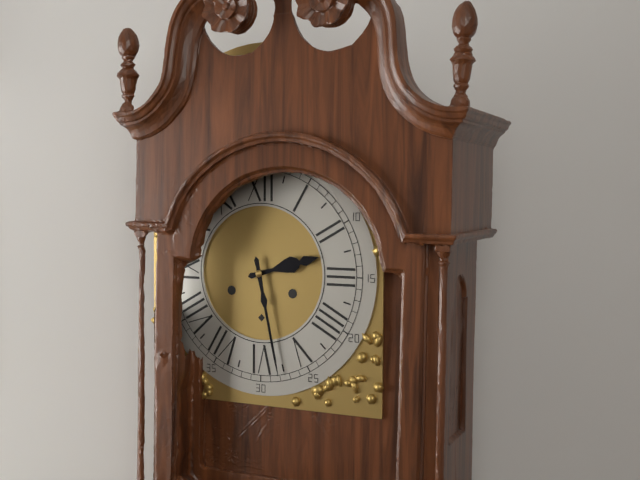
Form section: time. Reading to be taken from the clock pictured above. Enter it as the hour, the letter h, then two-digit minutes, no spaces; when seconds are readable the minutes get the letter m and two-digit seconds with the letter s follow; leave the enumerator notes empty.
2h28
